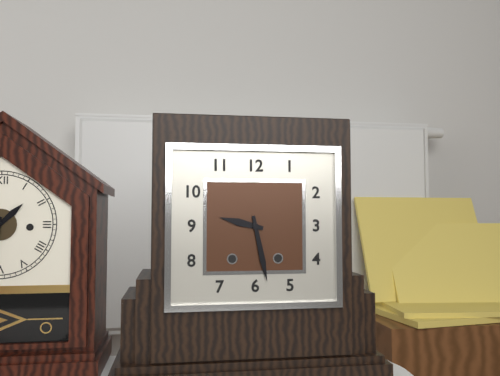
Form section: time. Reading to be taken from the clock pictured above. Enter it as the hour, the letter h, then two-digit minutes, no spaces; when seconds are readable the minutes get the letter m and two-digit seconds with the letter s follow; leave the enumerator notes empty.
9h28
